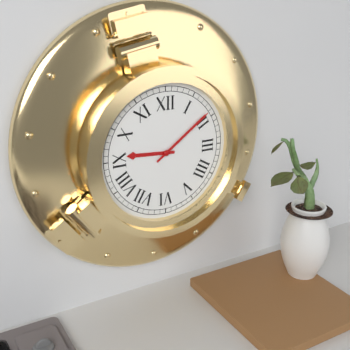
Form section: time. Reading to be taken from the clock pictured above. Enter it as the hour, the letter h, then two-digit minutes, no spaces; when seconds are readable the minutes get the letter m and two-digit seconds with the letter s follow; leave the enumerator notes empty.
9h09
